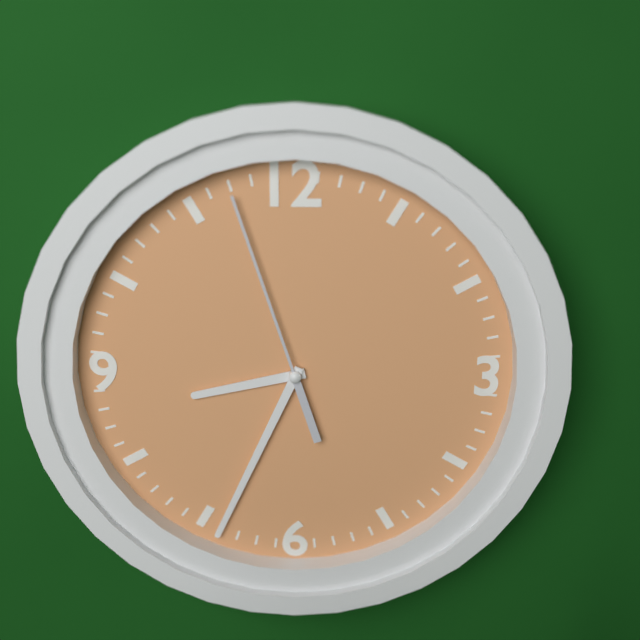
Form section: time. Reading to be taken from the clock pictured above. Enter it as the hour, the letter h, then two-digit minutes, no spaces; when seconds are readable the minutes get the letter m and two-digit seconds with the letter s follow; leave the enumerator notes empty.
8h34m57s
